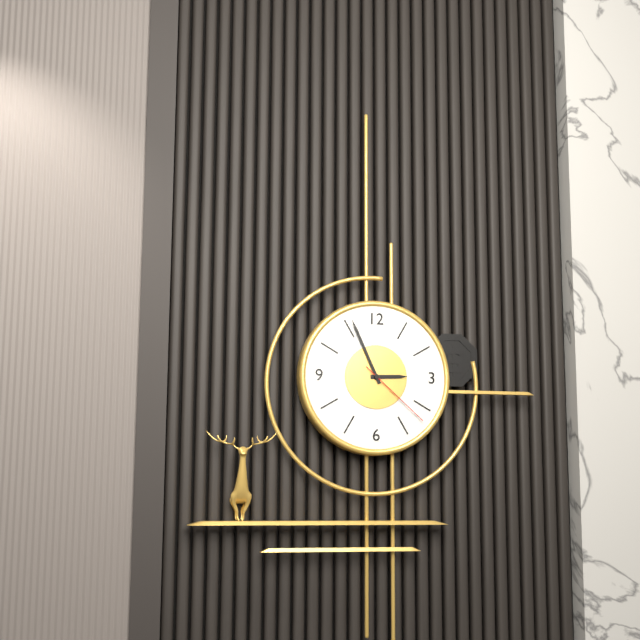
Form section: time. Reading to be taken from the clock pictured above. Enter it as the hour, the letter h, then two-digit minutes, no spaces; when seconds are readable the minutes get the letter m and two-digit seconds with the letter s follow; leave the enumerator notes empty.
2h56m22s
